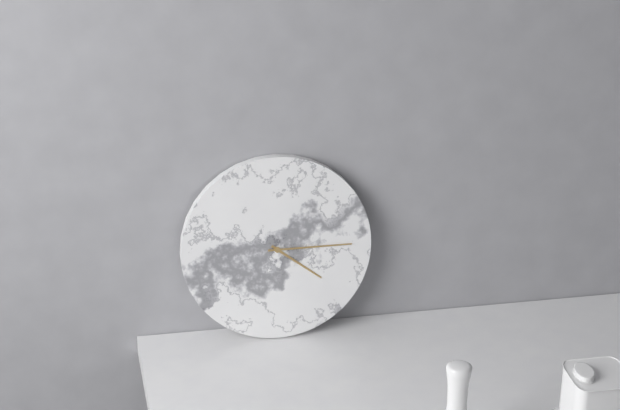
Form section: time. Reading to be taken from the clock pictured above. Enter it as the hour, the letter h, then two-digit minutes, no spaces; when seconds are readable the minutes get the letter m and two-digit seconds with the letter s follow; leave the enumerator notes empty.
4h15
